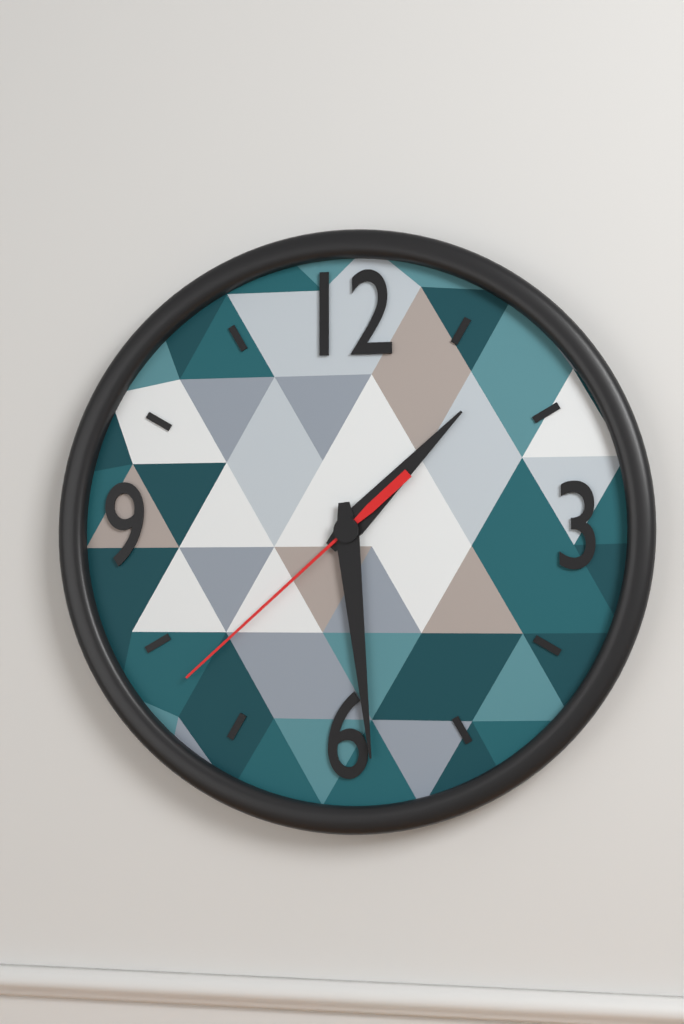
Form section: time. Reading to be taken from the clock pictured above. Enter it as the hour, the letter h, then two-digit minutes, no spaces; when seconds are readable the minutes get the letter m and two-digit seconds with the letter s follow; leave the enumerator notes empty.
1h29m38s
